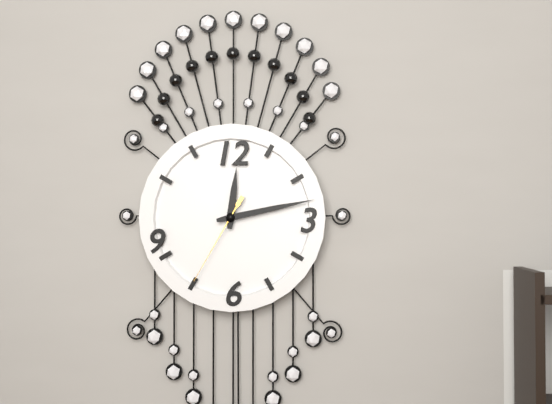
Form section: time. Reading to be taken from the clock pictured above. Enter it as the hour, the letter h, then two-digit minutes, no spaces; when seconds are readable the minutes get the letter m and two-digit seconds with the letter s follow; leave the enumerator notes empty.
12h13m35s
